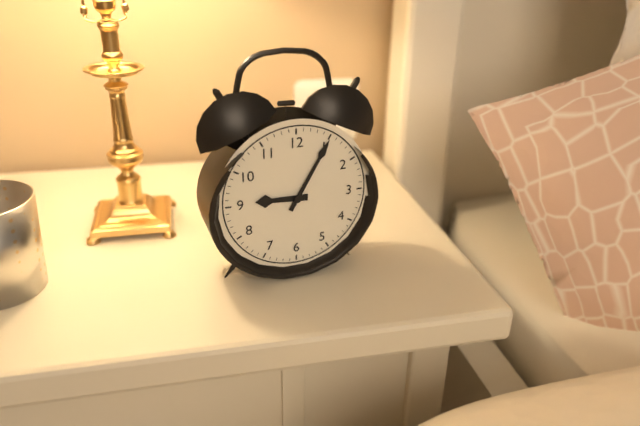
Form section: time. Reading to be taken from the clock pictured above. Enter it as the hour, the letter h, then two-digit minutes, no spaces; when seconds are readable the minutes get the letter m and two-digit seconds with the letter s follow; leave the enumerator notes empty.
9h05
